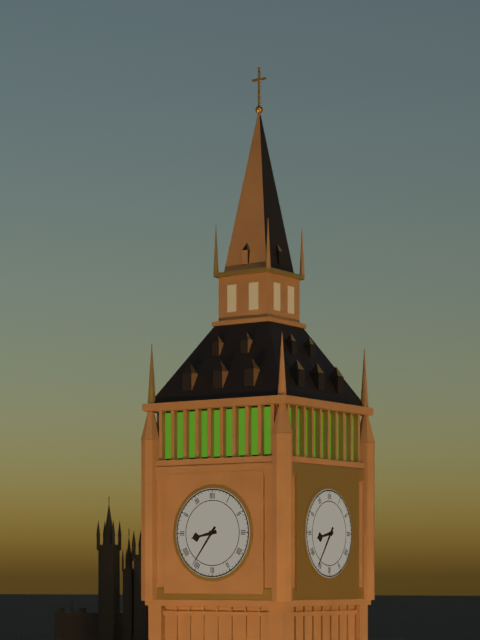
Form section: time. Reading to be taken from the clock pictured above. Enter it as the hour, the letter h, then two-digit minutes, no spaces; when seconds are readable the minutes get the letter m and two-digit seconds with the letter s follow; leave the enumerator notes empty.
8h36
